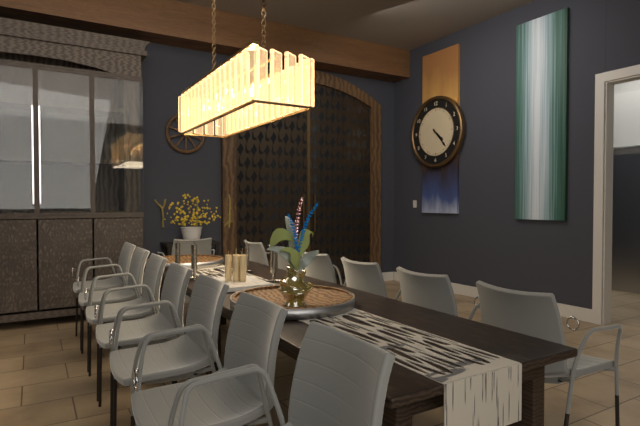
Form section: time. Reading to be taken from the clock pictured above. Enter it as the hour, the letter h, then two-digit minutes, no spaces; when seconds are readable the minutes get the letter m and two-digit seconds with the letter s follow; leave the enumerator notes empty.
4h23
